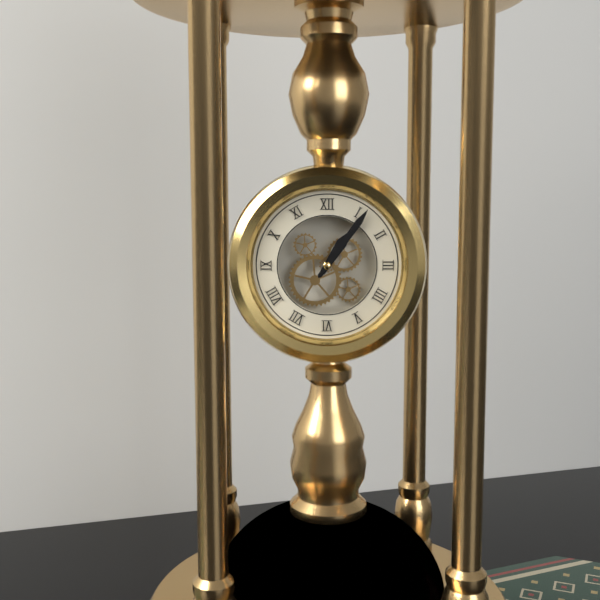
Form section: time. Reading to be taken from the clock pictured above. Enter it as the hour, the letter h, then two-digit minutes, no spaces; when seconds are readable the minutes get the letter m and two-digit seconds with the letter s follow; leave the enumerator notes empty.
1h06
